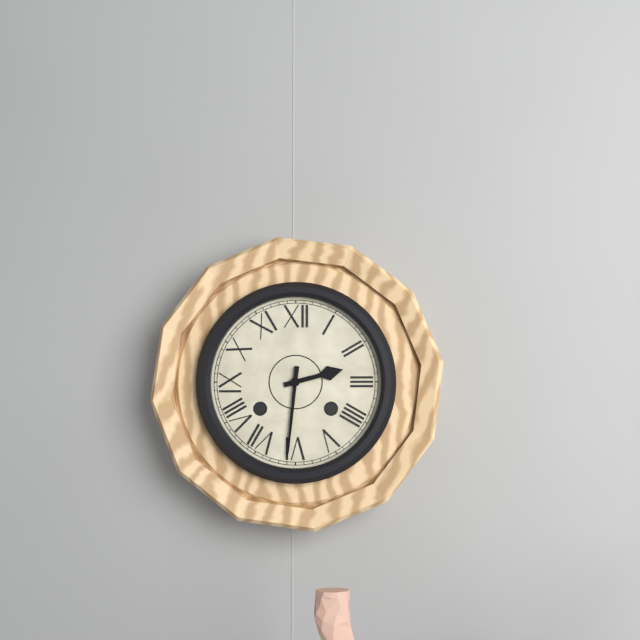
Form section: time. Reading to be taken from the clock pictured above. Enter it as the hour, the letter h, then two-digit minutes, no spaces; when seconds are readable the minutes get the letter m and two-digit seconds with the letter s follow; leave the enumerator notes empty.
2h31
